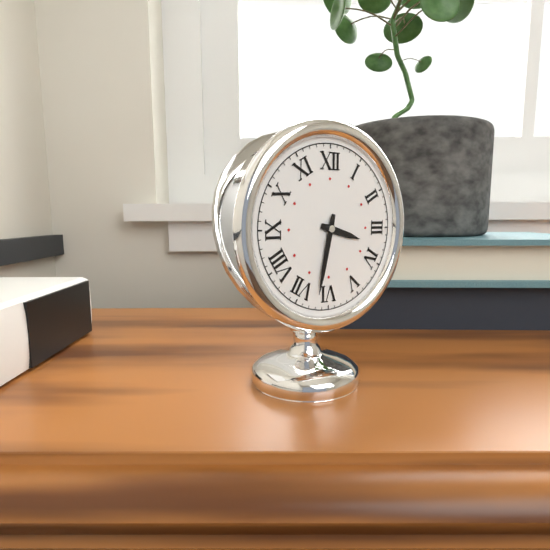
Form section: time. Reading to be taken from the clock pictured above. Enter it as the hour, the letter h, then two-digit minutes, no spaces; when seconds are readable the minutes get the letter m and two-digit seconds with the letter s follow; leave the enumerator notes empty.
3h32
